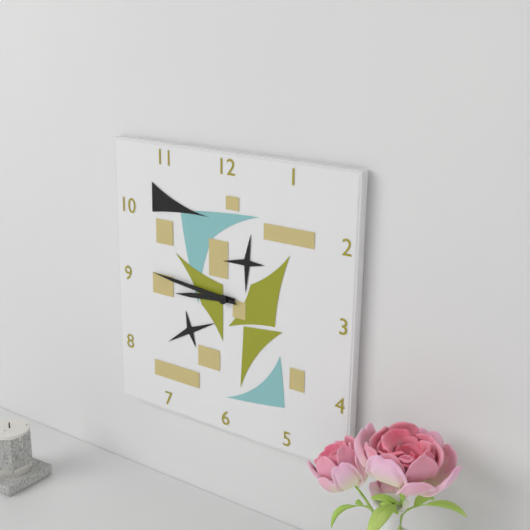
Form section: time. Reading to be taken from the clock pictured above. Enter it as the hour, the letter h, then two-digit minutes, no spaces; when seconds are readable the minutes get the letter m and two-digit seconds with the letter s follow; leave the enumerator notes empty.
8h46
